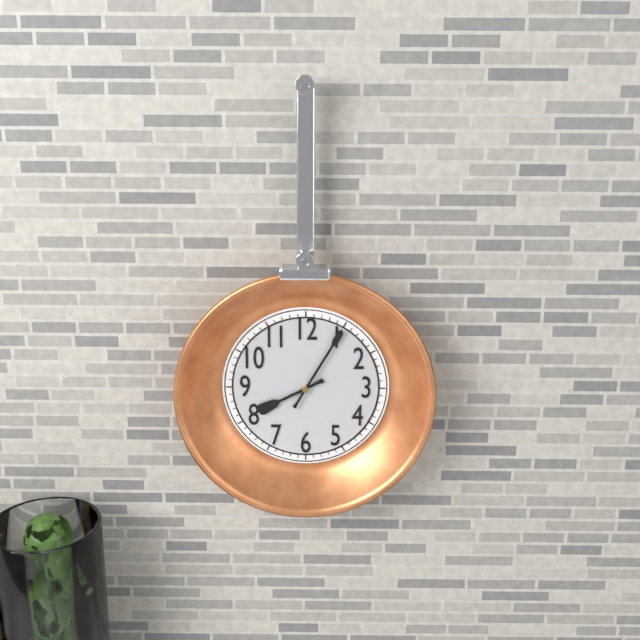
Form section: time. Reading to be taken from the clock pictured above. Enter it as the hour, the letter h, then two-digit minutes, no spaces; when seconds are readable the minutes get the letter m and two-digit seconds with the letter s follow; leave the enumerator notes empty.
8h05
